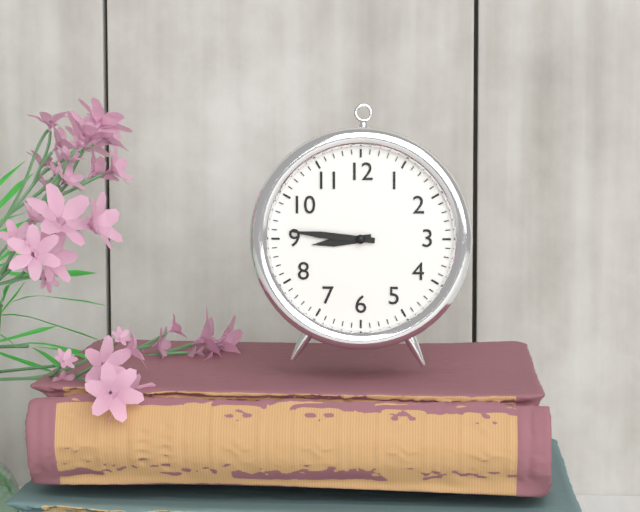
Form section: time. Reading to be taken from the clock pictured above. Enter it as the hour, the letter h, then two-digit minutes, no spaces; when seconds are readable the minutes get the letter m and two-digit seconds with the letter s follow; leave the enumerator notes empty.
8h46
